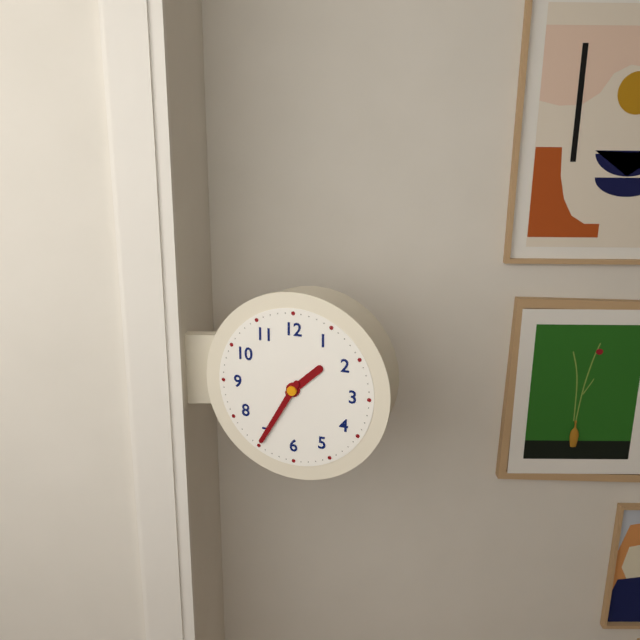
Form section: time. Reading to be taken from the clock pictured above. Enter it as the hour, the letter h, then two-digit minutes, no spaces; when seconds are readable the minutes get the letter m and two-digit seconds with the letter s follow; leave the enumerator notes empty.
1h35
